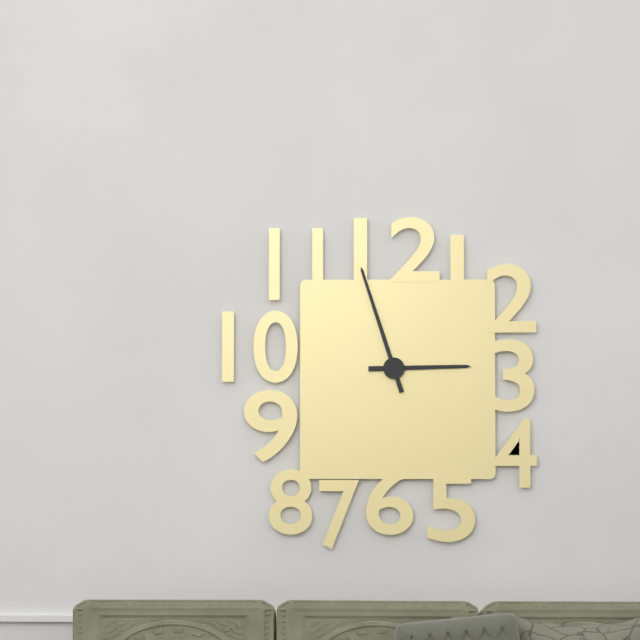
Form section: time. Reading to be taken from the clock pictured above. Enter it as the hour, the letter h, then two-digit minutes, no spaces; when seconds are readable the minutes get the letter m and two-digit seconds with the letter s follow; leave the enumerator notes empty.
2h57
